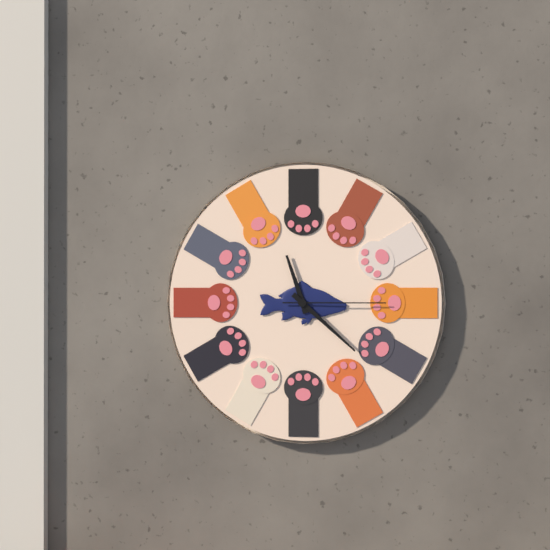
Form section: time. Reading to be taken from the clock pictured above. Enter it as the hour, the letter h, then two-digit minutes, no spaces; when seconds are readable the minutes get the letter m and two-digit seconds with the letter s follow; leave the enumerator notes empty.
11h22m15s
